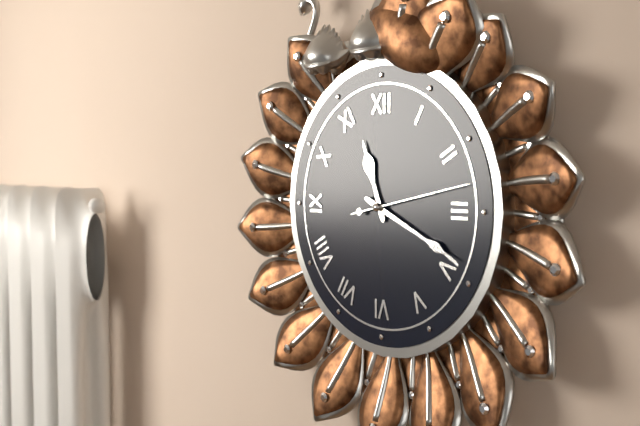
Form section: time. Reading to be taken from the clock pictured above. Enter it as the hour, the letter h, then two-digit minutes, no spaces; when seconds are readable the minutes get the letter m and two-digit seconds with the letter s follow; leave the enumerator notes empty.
11h19m13s
